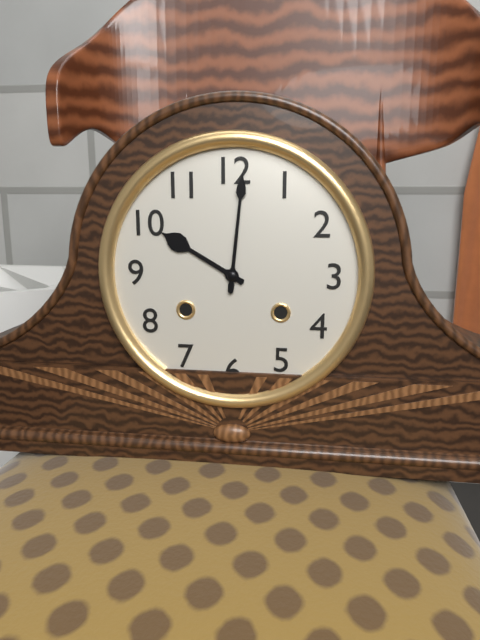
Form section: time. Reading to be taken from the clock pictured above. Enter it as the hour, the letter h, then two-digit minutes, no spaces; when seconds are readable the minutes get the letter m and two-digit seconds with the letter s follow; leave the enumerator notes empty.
10h01
